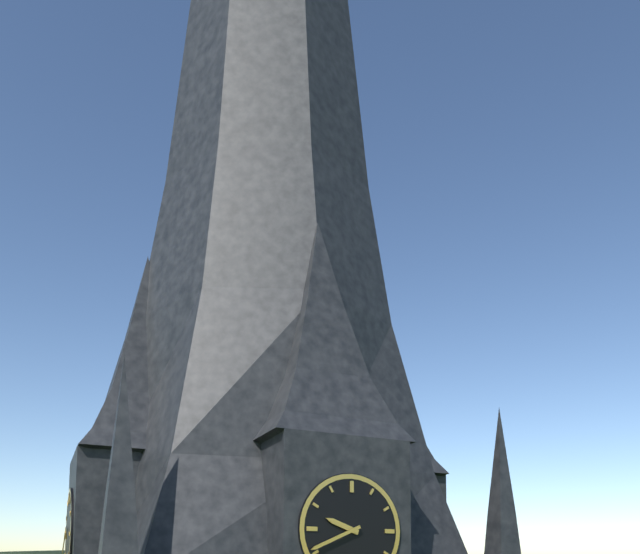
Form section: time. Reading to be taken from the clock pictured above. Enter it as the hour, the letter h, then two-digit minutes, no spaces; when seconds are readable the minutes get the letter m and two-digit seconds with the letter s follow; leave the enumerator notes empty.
9h41
